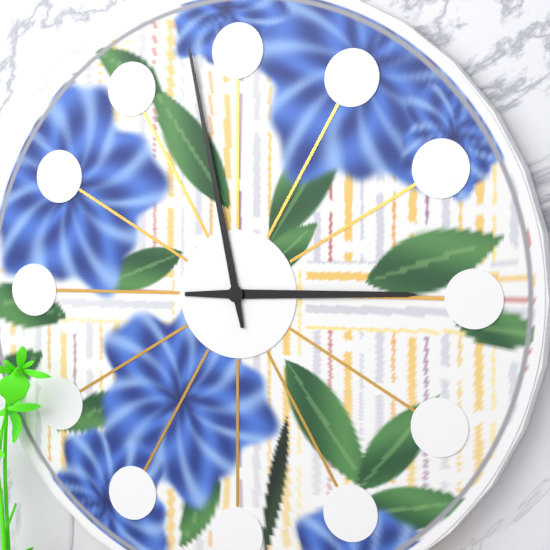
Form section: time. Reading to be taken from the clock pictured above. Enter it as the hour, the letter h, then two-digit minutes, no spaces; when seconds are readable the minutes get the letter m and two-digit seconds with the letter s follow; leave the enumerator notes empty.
2h58
